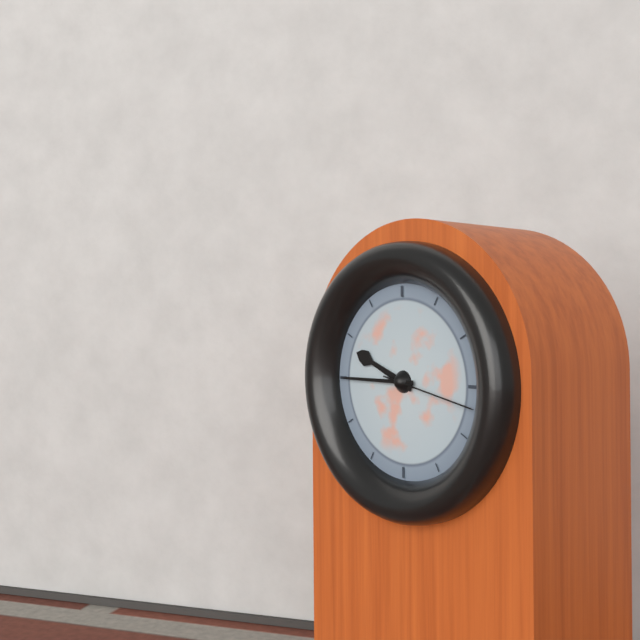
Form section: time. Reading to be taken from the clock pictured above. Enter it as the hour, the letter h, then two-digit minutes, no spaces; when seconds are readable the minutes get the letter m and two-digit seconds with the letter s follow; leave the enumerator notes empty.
9h45m17s
